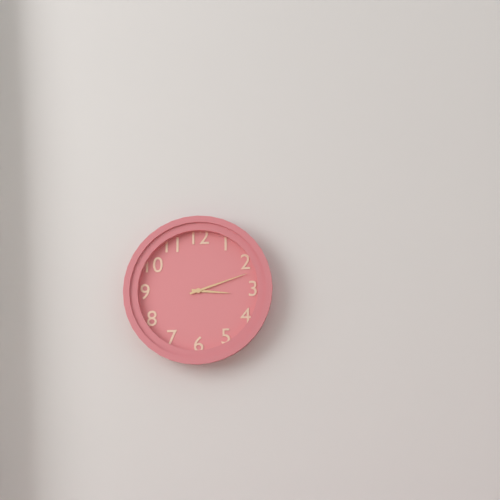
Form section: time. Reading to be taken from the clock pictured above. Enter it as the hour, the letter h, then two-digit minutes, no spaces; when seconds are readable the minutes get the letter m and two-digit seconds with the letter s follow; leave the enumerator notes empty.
3h12
